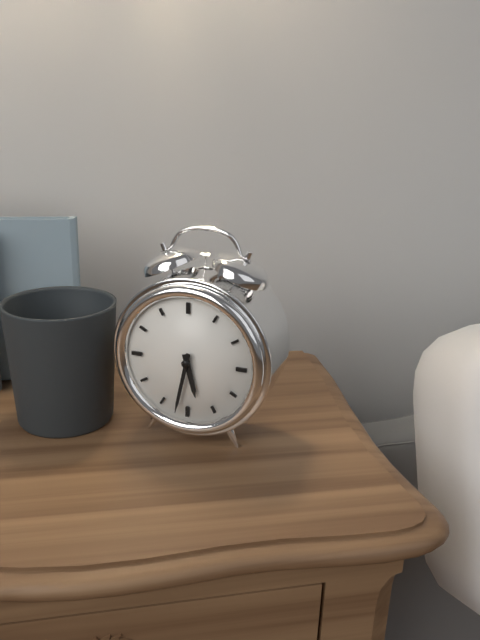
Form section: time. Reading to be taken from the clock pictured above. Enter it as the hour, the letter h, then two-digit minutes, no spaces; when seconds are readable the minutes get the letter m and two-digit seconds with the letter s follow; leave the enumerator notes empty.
5h32
